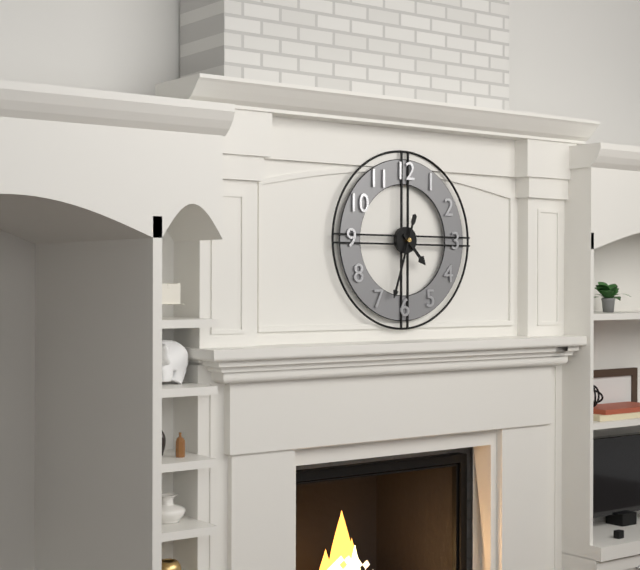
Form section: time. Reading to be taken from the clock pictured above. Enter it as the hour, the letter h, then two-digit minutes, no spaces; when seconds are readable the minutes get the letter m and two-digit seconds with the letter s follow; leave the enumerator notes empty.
4h33
